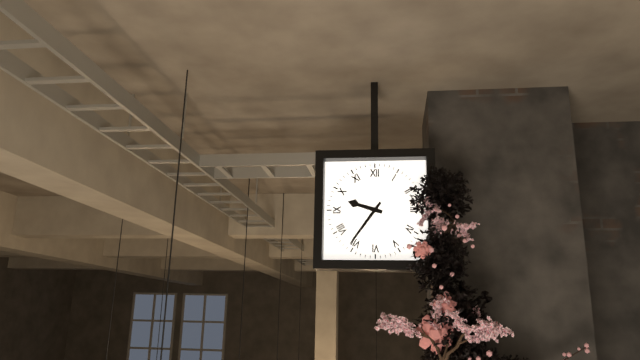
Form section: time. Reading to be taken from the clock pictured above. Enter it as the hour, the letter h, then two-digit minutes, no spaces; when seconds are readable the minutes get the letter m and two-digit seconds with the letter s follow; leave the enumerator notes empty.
9h36
